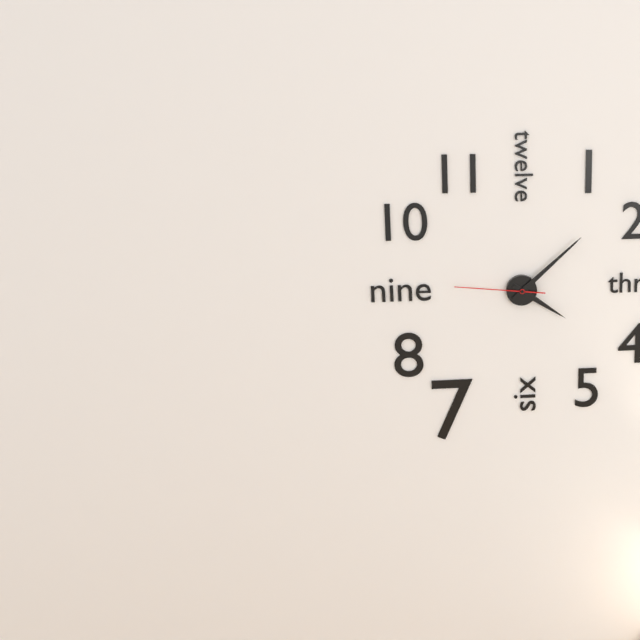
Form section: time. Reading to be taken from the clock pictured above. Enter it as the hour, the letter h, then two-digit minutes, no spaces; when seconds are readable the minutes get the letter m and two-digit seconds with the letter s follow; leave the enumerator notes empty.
4h08m46s
